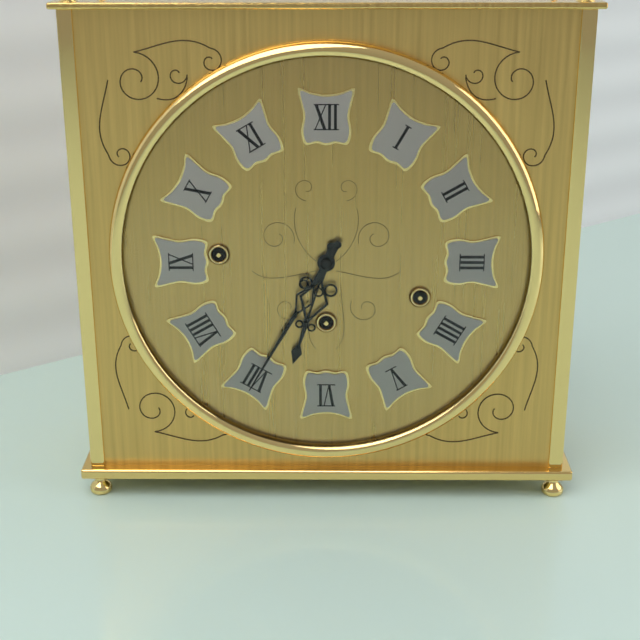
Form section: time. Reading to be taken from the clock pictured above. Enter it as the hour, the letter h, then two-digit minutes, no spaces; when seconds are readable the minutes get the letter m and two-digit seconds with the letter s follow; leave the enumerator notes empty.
6h35
